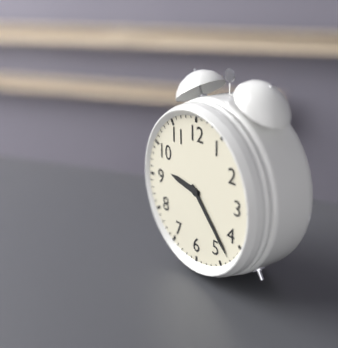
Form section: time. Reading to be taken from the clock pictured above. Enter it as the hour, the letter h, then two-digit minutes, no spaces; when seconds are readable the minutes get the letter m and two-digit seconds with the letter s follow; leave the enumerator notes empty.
9h23
